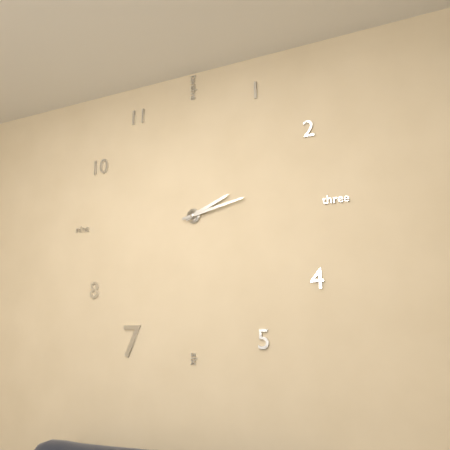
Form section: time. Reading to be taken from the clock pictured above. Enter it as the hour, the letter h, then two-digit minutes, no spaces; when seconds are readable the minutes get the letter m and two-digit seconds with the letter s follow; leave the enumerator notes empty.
2h13
